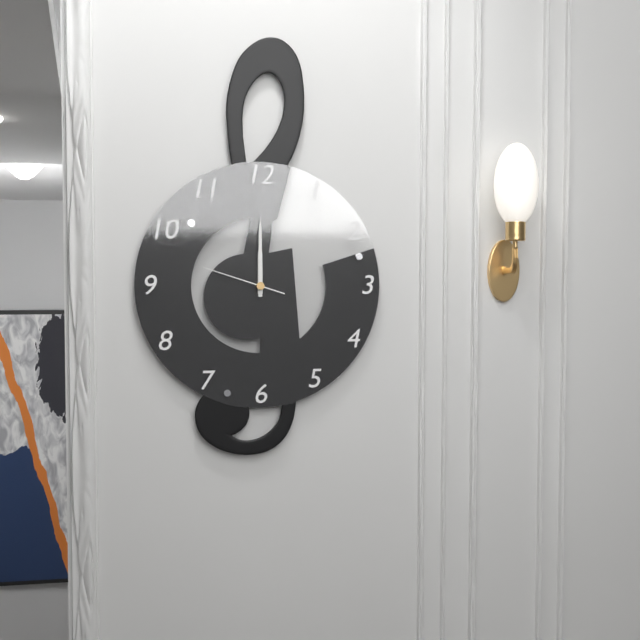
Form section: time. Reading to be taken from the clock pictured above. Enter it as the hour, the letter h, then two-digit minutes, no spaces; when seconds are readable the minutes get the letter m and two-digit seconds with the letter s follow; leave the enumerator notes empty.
12h00m48s
